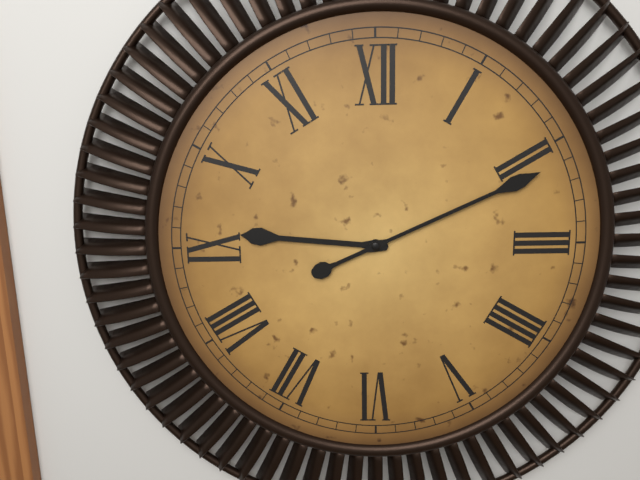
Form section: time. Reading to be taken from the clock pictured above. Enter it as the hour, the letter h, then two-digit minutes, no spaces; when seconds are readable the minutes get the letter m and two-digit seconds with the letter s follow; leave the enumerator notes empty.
9h11
